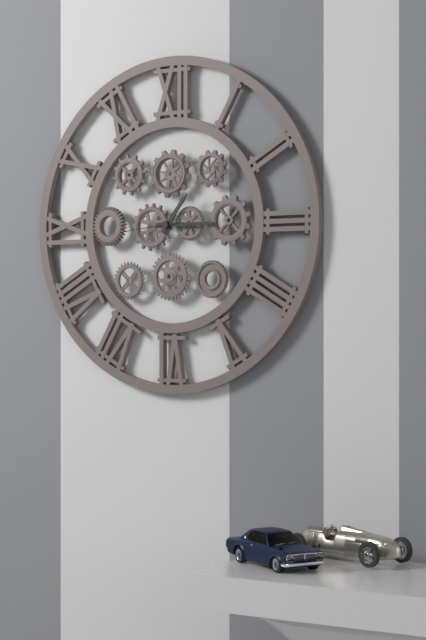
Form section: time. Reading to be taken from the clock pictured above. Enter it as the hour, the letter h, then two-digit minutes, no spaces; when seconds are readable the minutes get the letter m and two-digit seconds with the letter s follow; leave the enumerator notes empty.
1h15m44s
